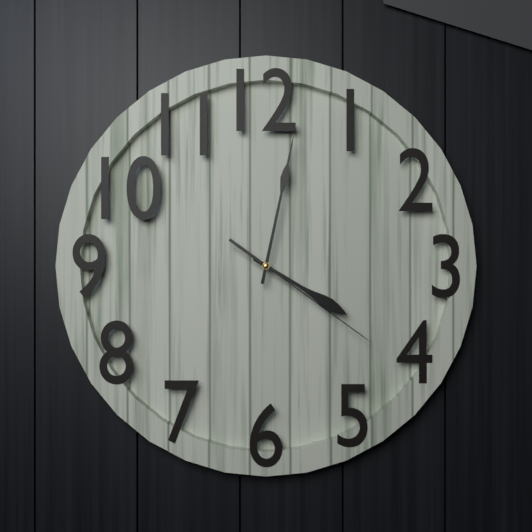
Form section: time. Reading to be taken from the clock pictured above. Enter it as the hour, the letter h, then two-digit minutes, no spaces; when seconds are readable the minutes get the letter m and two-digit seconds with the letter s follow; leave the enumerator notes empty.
4h02m21s
